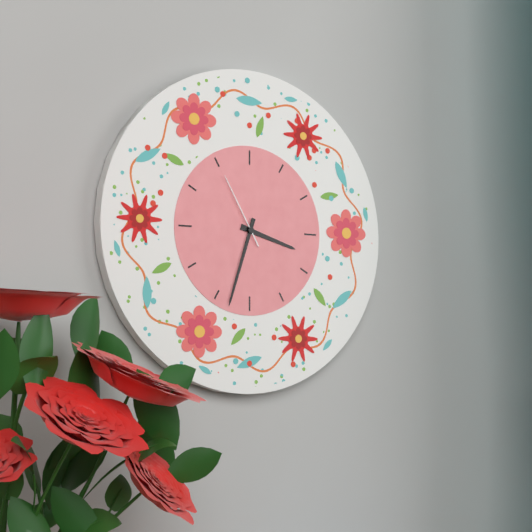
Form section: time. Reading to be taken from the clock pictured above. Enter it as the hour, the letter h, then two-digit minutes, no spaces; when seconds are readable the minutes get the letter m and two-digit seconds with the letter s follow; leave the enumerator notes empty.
3h33m55s
